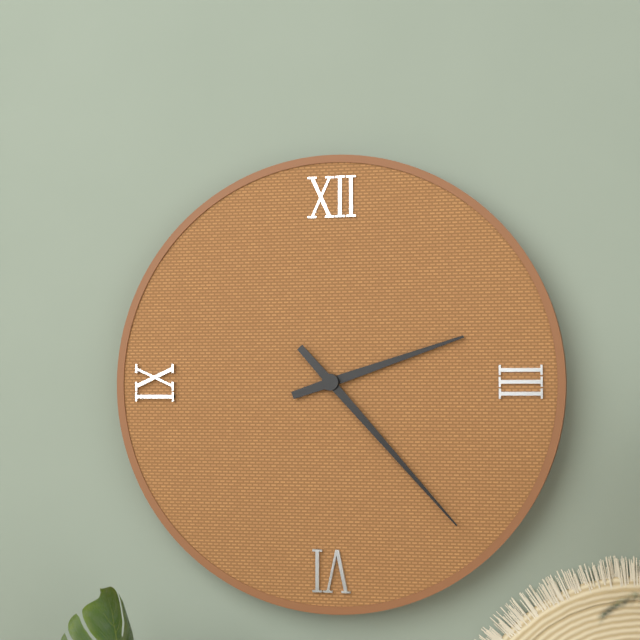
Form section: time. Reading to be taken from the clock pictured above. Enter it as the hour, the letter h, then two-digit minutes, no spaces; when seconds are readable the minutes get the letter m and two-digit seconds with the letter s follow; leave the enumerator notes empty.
2h23
